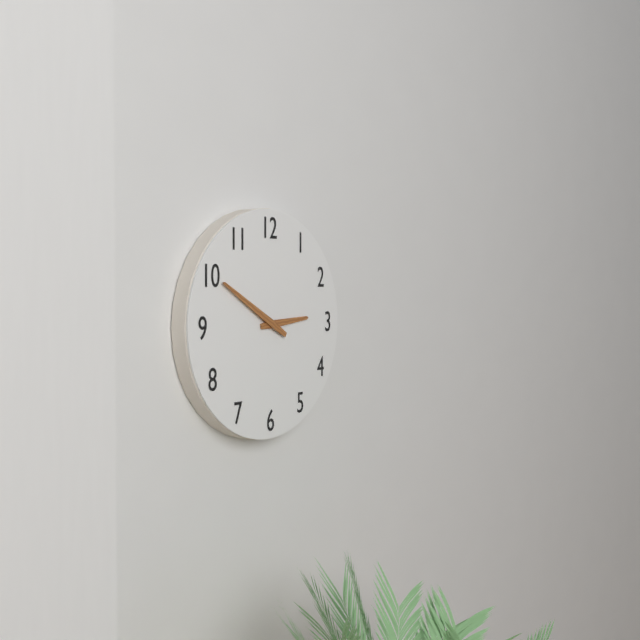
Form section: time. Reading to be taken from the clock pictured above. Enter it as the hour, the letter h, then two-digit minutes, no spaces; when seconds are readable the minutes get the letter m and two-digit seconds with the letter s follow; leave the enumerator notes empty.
2h50
